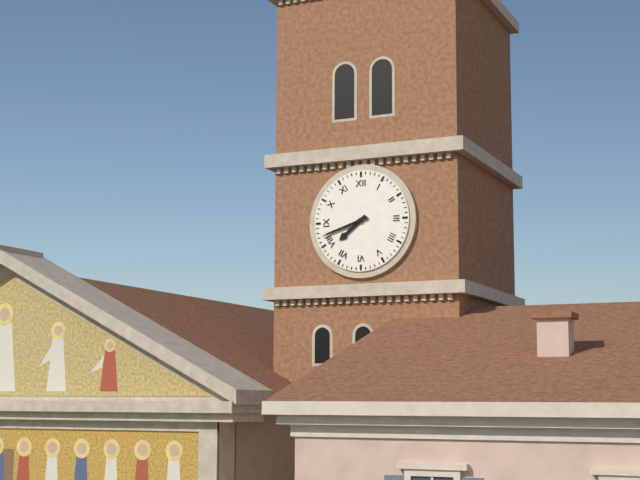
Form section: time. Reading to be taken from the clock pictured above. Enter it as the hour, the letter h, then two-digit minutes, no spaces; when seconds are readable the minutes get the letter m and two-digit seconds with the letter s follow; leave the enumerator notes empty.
7h42
